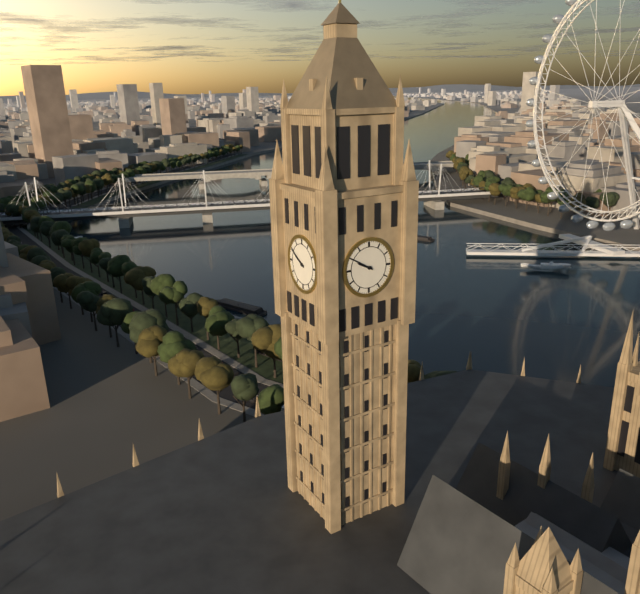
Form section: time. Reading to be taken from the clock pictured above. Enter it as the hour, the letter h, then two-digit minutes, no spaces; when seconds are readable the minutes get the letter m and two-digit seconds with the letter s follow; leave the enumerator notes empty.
9h50
